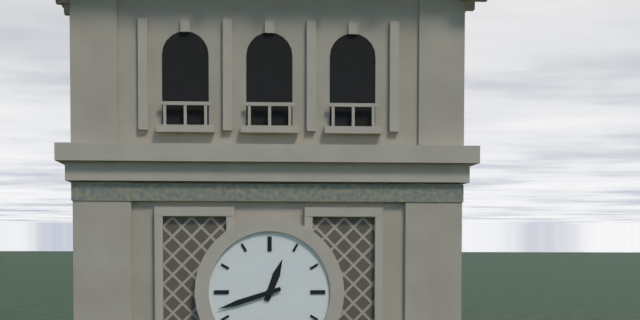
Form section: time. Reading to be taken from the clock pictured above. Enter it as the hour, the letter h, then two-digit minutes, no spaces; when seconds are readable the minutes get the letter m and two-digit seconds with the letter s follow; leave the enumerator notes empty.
12h42
